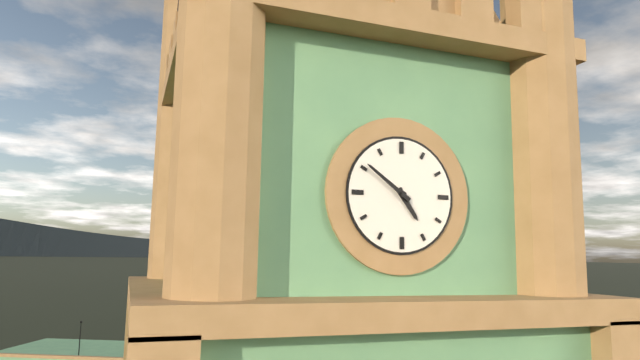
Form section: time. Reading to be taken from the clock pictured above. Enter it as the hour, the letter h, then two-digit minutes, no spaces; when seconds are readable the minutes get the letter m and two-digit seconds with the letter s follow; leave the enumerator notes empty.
4h51
